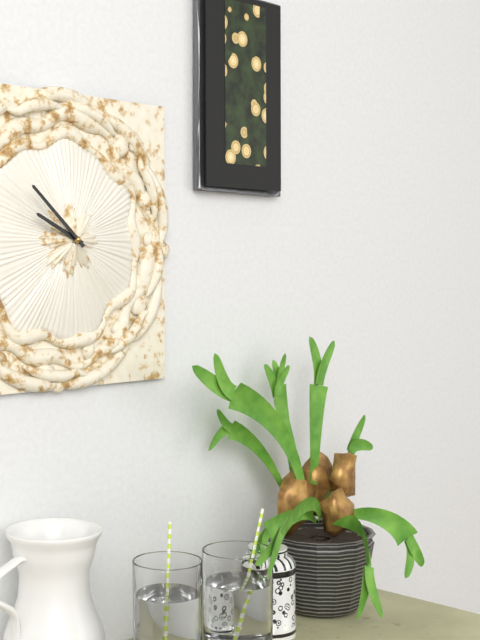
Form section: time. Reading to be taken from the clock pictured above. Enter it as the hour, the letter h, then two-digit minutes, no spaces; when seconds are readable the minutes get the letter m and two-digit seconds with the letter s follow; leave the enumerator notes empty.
9h52
